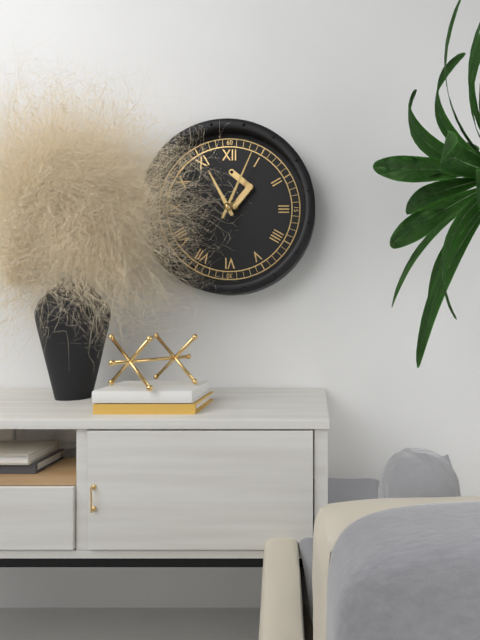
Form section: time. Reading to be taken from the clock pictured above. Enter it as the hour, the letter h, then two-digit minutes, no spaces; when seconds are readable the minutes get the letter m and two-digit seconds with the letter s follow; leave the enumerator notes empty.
11h04
